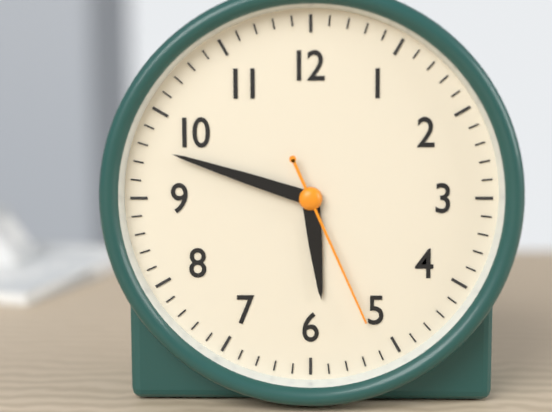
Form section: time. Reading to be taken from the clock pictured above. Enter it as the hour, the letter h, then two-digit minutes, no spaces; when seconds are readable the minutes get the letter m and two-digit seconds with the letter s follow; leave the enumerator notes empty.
5h48m26s
